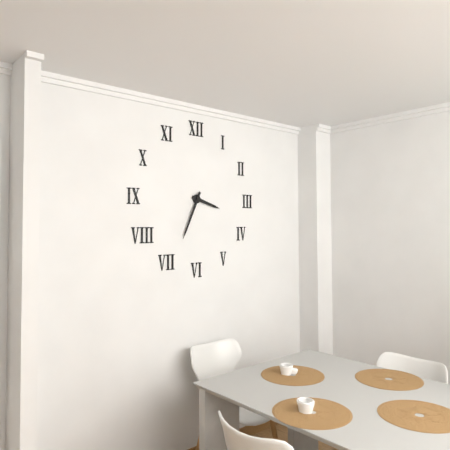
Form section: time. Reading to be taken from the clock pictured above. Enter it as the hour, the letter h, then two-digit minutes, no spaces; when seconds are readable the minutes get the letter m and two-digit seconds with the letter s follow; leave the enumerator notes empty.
3h34
